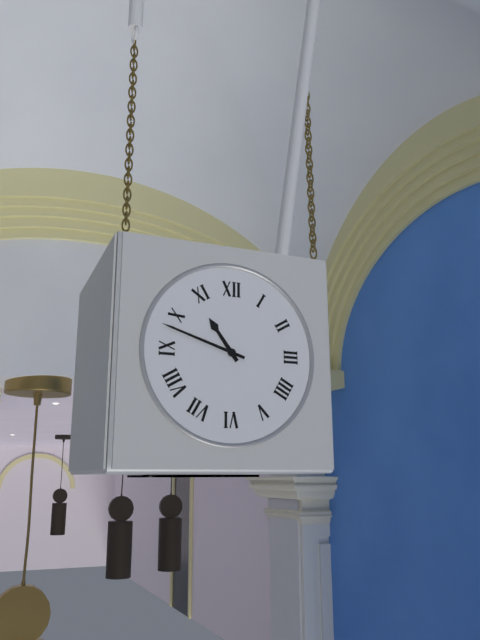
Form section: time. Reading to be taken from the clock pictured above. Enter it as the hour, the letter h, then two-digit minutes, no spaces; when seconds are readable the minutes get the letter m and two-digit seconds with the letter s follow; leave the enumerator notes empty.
10h48
